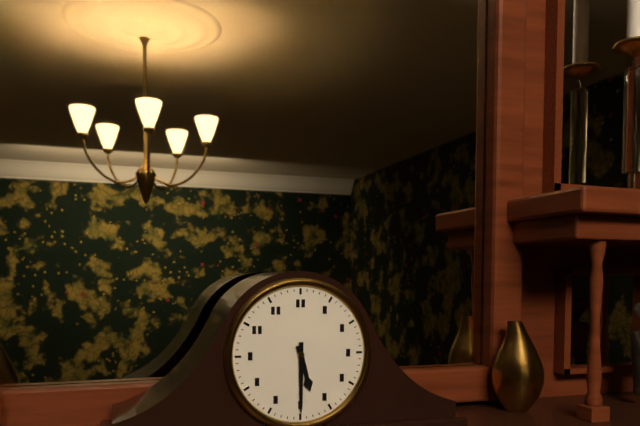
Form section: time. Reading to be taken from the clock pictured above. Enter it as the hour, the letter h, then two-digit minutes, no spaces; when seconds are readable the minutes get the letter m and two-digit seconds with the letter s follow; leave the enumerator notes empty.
5h30
